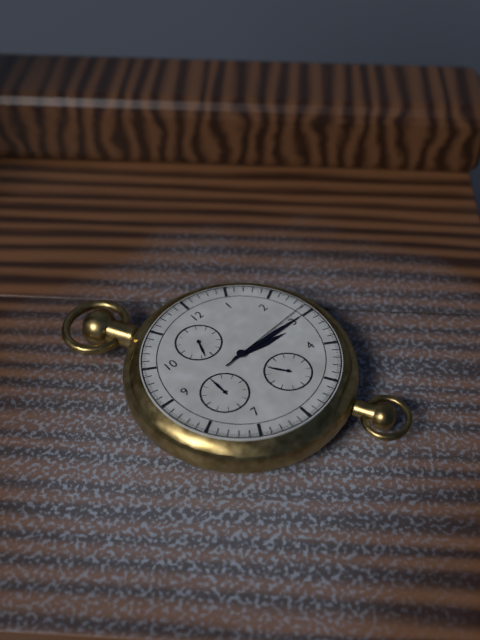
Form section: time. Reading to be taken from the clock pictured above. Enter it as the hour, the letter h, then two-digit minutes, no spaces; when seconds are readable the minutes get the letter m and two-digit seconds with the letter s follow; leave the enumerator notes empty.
3h15m14s
